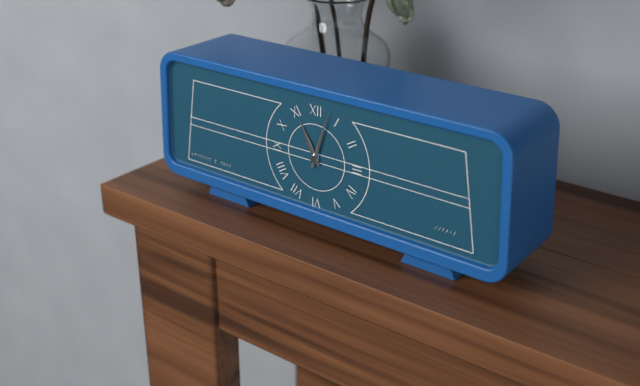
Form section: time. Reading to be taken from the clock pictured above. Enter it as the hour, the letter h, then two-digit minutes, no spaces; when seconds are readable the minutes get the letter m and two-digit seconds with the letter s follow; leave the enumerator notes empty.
11h03
